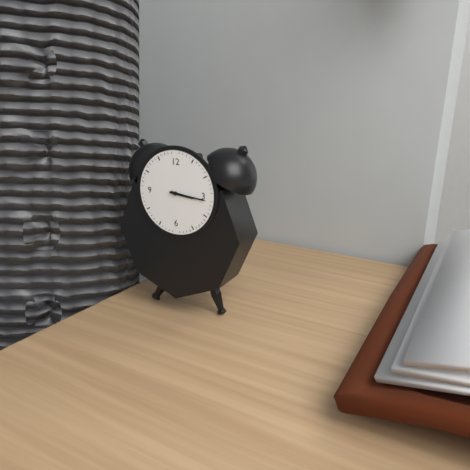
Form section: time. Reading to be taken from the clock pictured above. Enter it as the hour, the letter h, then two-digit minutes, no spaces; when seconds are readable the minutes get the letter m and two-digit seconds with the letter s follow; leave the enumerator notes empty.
3h16
